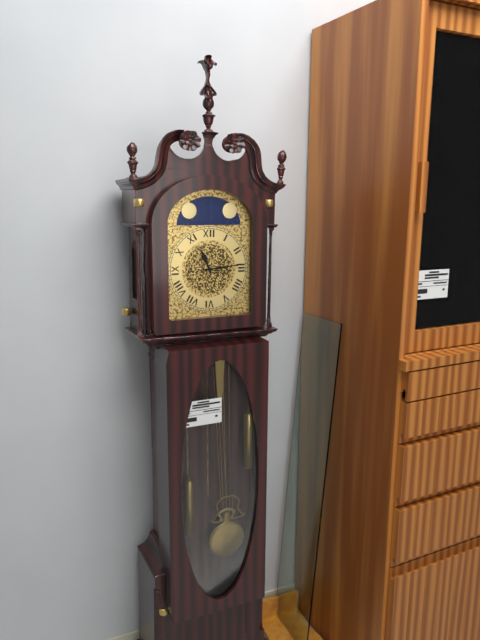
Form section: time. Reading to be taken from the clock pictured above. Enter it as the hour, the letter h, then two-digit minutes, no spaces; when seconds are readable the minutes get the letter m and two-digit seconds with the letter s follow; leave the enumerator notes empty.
11h14
